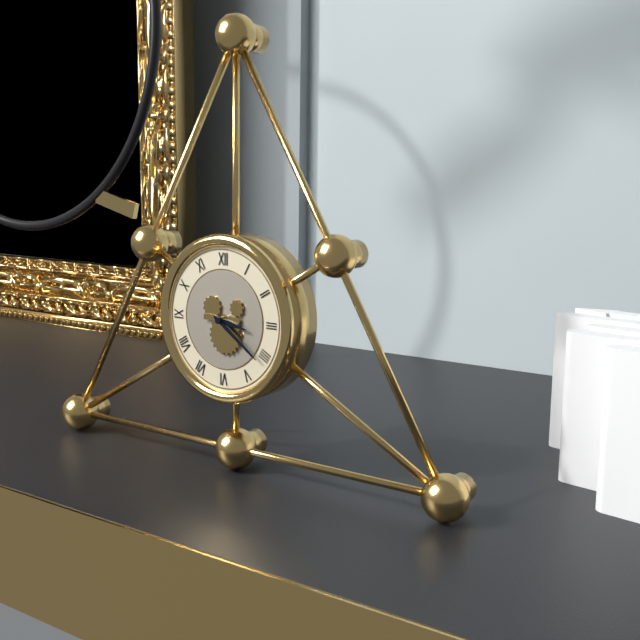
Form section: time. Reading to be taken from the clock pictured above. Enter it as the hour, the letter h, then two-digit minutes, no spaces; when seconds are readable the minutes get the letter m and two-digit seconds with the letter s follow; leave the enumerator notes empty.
3h21
